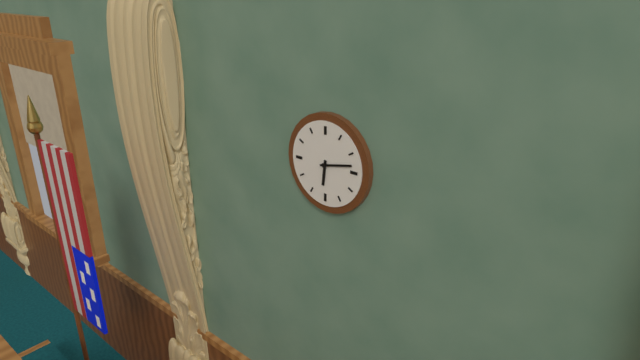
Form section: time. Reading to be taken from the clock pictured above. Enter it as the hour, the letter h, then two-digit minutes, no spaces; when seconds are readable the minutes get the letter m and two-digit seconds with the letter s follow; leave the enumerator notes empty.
6h13
